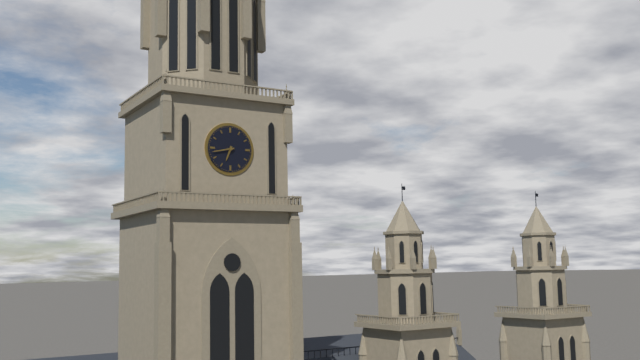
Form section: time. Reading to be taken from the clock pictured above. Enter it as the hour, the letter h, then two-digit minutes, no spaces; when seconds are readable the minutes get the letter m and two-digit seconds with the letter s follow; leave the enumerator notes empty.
6h43
